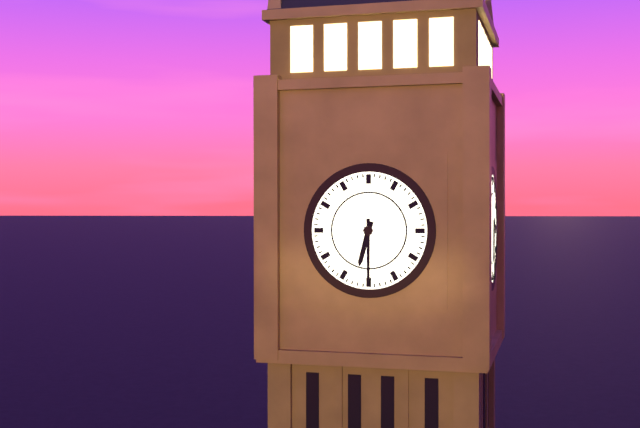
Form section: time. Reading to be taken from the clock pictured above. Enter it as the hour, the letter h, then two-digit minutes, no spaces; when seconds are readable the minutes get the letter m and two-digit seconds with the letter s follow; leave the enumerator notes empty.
6h30
